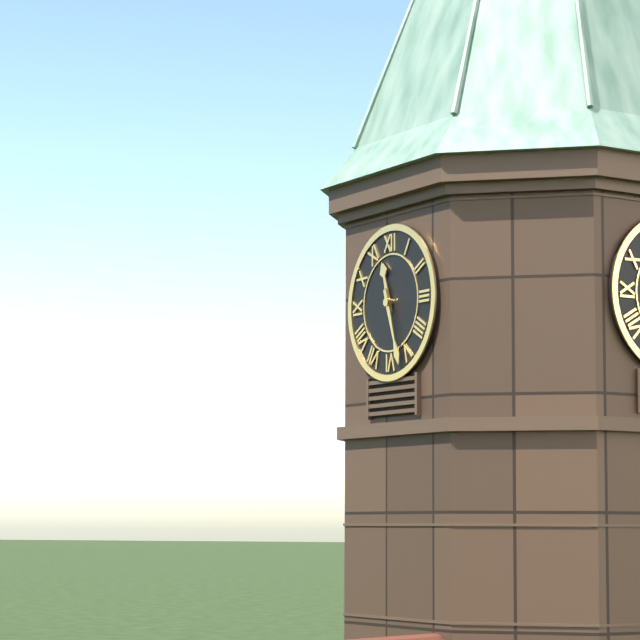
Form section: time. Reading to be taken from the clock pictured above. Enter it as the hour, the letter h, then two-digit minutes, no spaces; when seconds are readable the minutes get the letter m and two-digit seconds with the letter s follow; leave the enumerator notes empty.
11h27
